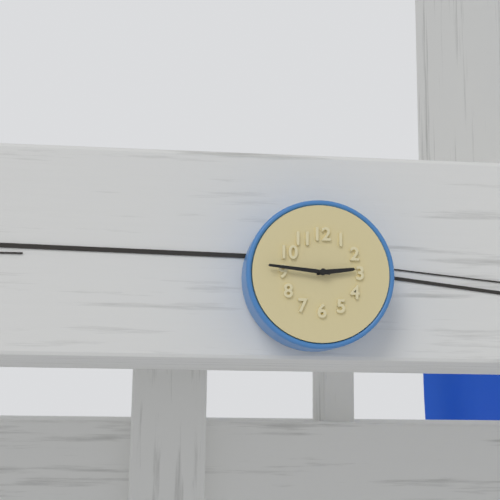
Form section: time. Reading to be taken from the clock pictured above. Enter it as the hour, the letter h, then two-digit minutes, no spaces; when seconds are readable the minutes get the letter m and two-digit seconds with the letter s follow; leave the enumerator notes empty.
2h46
